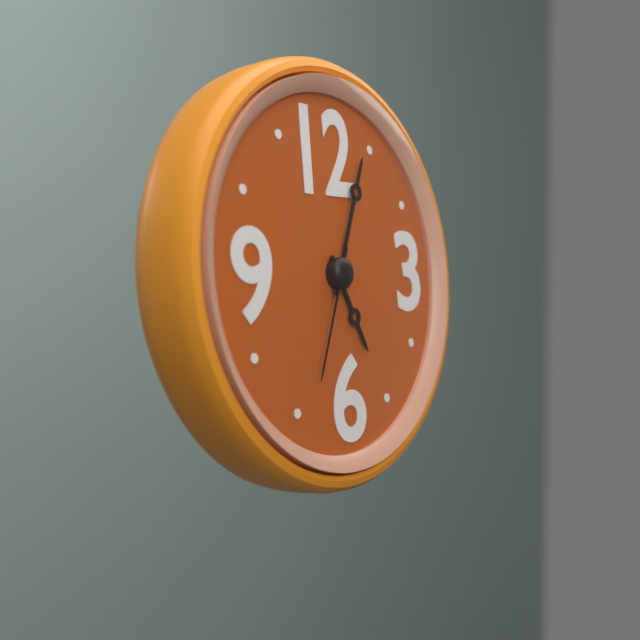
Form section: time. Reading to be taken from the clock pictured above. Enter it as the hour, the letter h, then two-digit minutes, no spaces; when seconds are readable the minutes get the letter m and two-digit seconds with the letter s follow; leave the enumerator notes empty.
5h04m34s
